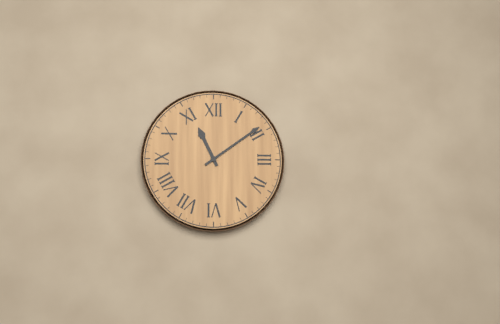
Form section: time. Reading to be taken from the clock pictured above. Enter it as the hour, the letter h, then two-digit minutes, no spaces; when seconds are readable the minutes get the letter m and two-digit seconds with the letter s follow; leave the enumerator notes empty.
11h09
